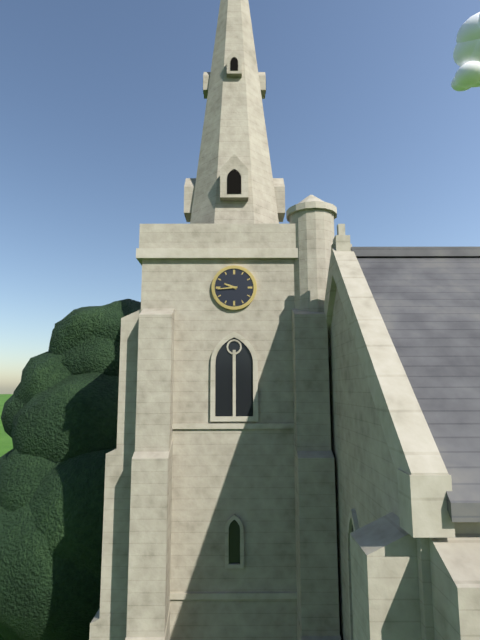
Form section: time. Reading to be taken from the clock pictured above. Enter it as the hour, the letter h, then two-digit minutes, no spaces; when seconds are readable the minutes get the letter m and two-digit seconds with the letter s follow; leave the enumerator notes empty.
9h44
